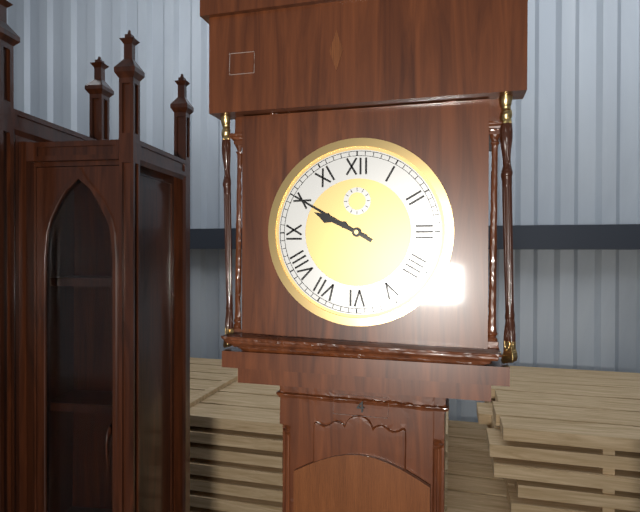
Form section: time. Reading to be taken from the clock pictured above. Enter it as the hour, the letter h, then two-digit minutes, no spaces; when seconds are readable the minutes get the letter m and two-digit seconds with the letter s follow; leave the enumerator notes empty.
9h50
